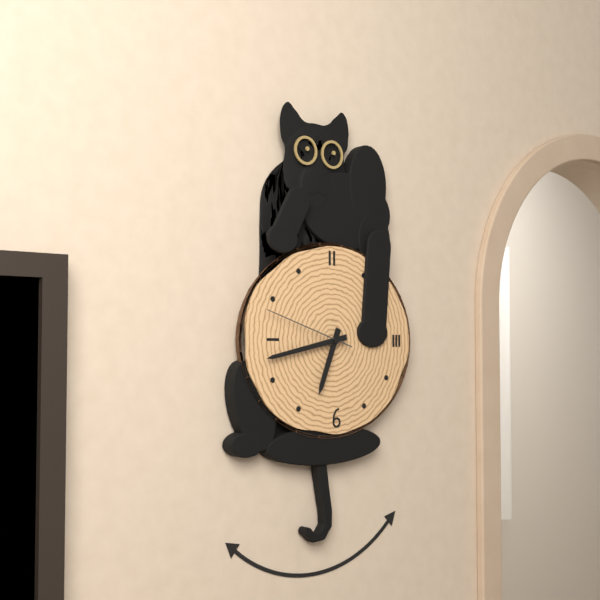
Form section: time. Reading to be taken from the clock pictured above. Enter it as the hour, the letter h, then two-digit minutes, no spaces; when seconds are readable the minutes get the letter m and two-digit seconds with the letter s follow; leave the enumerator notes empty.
6h43m48s
